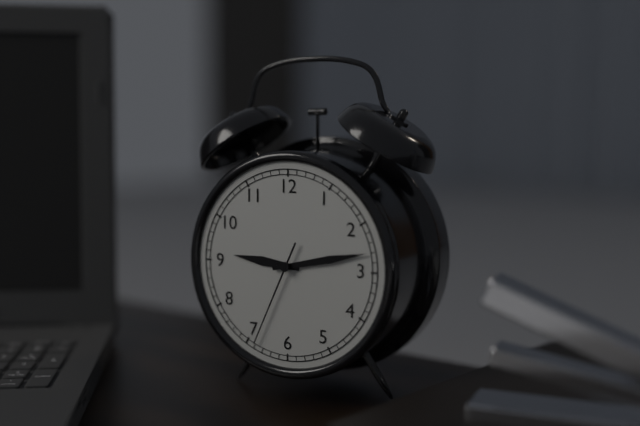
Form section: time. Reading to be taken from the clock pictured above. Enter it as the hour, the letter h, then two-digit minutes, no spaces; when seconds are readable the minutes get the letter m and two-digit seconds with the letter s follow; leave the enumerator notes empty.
9h13m34s
